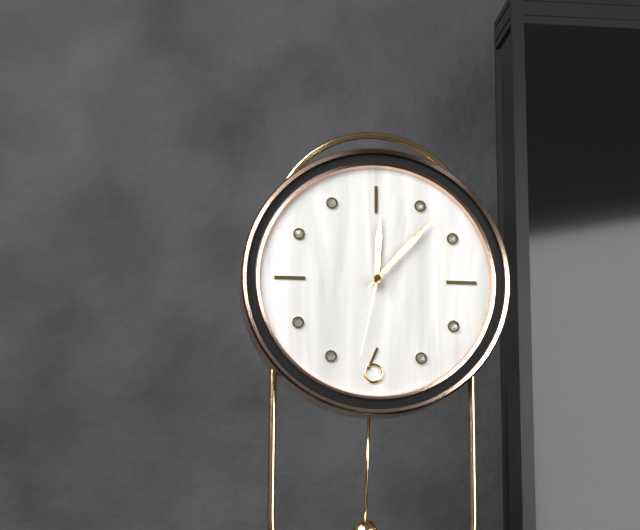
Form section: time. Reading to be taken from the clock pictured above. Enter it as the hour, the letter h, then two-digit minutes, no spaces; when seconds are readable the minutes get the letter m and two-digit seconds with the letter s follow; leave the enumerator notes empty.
12h07m32s
